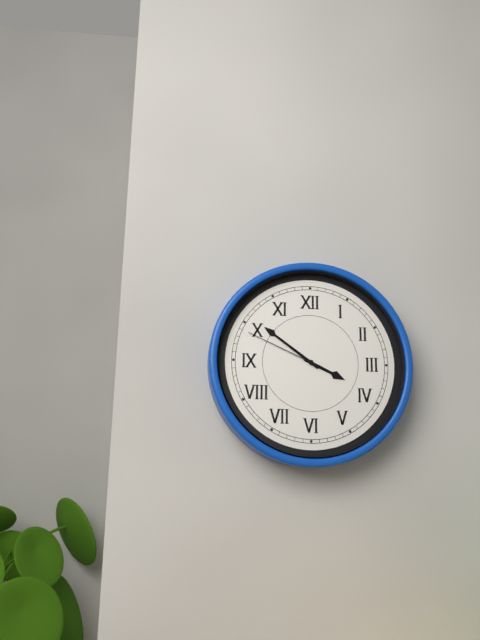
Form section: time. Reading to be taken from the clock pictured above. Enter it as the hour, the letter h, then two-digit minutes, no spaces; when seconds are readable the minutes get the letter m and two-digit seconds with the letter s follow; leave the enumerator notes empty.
3h51m49s
